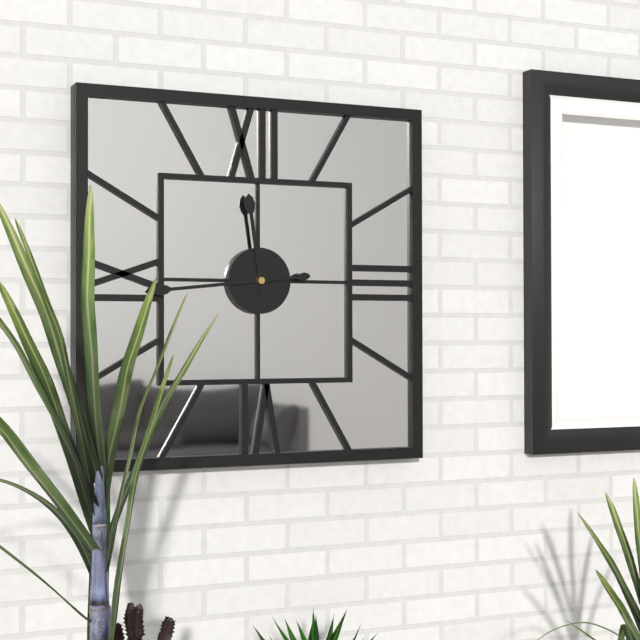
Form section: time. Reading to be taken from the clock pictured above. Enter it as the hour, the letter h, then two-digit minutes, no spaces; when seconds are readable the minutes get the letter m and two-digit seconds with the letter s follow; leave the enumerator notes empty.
11h44
